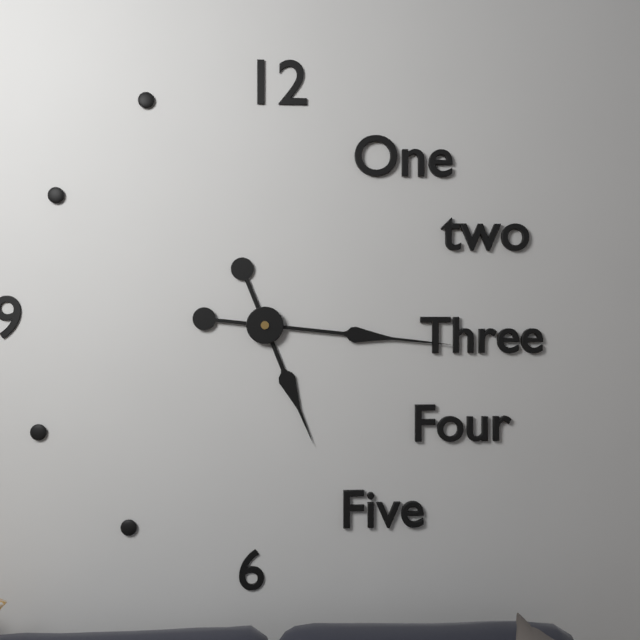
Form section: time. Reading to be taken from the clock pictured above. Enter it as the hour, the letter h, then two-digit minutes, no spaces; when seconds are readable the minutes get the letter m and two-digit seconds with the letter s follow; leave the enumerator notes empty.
5h16
